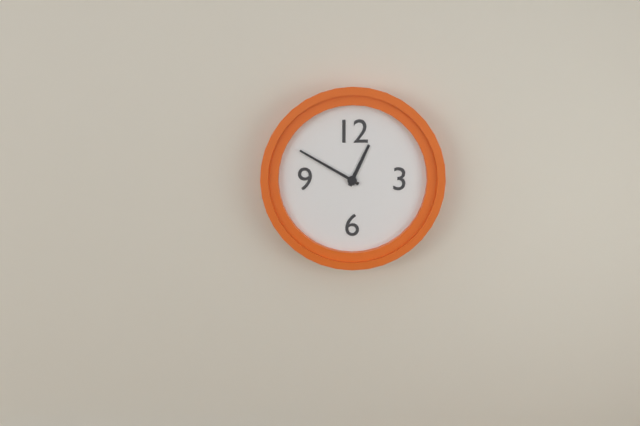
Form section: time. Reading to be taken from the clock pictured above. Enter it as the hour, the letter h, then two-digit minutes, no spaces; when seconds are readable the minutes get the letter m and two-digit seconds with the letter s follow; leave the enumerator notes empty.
12h50
